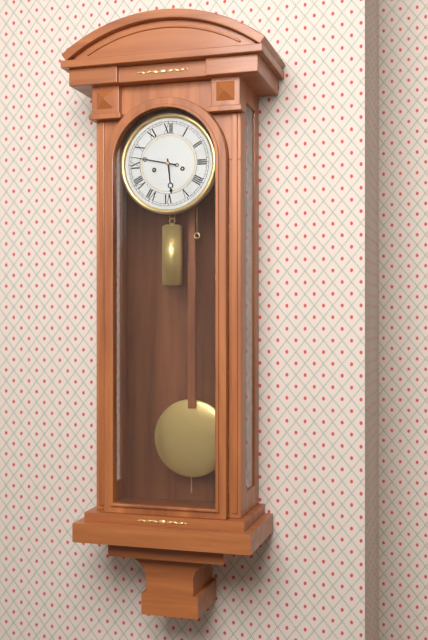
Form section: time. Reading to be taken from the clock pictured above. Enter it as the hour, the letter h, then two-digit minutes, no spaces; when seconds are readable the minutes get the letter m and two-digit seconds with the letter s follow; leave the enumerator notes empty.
5h47
